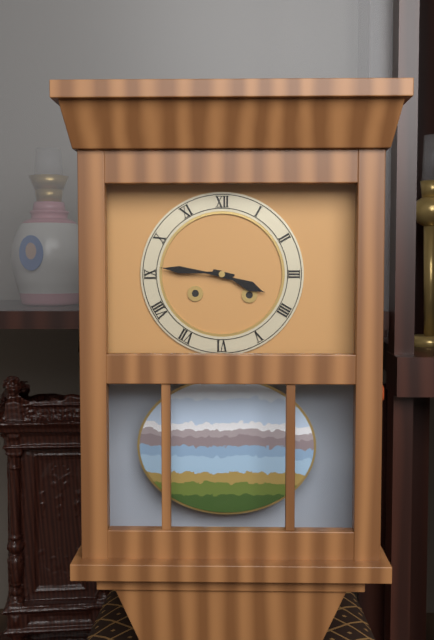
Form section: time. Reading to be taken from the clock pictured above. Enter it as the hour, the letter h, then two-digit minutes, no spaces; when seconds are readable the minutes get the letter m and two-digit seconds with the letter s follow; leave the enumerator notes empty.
3h46
